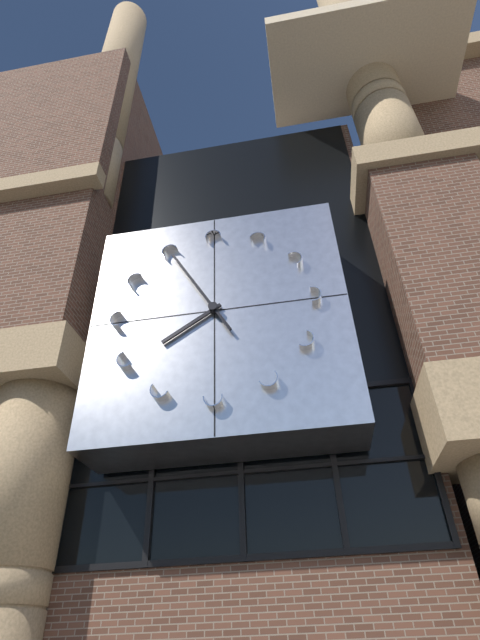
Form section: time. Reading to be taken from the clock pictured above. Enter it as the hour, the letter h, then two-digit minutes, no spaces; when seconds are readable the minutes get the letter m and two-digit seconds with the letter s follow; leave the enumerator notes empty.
7h55
